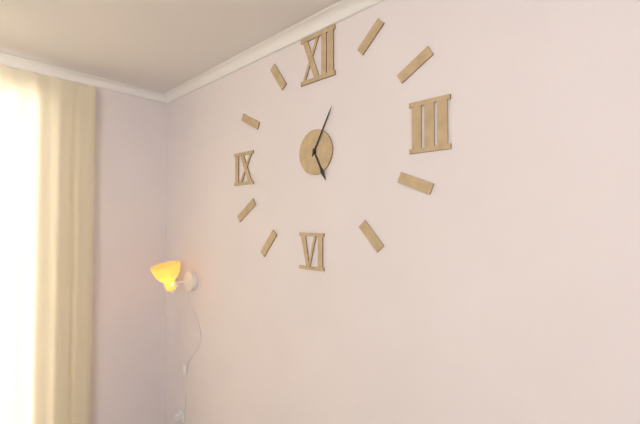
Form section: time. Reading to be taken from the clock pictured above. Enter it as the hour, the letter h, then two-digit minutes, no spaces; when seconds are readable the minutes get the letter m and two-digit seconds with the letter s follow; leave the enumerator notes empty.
5h05
